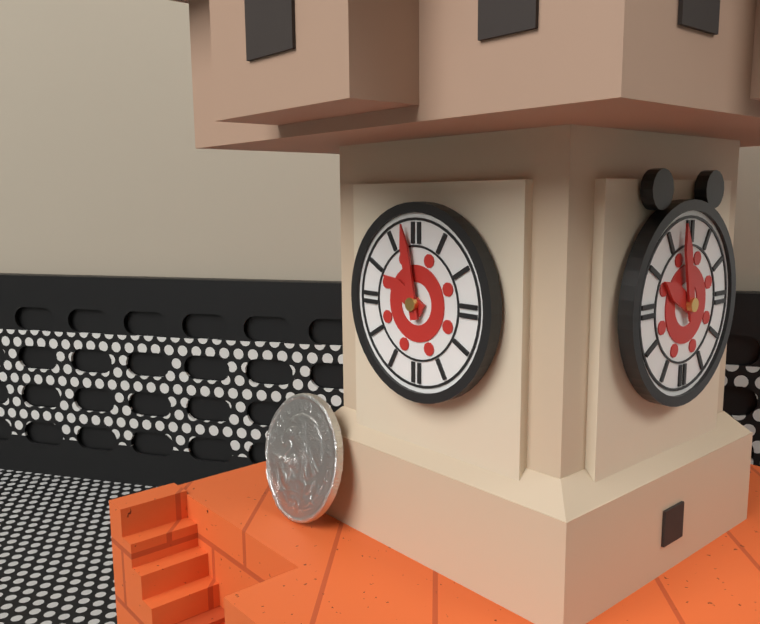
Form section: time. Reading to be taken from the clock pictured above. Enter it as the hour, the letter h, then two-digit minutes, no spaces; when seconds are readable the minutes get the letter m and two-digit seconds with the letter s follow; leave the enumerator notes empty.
9h58
